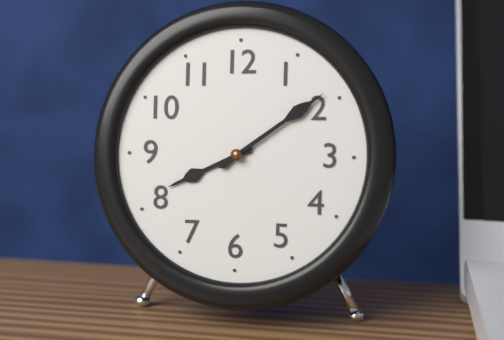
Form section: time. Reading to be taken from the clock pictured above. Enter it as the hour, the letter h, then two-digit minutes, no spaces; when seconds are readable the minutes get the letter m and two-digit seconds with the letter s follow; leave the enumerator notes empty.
8h09
